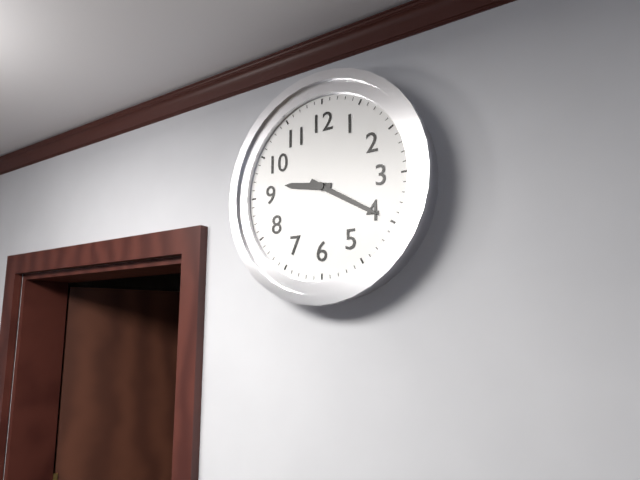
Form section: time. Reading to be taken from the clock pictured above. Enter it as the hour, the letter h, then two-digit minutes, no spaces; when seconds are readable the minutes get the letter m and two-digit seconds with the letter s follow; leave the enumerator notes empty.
9h20
